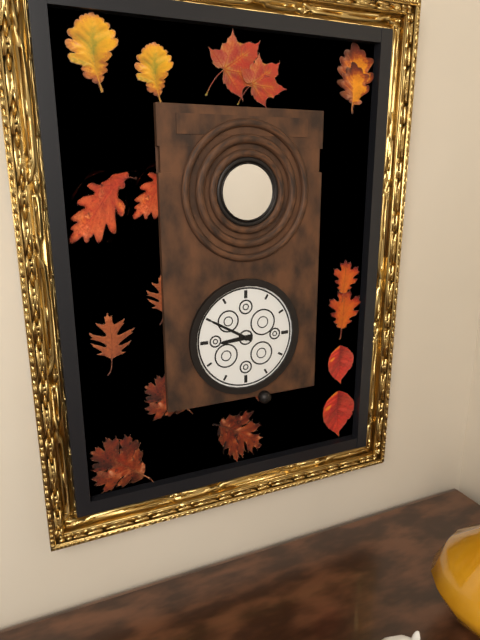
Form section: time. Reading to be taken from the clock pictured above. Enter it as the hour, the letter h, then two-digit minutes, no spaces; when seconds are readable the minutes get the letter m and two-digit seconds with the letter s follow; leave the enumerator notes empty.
8h50
